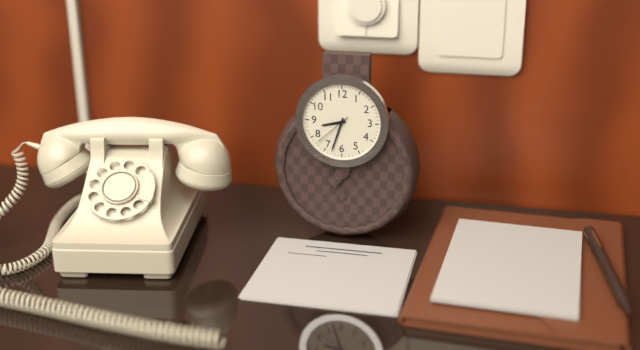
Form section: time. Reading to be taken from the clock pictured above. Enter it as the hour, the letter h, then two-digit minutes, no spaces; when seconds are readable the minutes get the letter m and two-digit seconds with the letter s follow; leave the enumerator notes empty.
8h33
